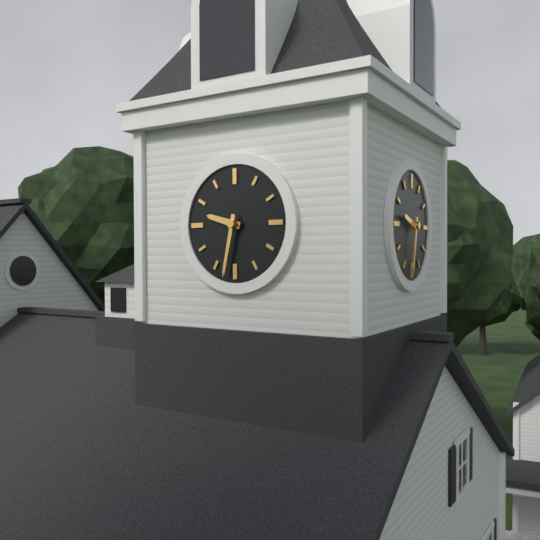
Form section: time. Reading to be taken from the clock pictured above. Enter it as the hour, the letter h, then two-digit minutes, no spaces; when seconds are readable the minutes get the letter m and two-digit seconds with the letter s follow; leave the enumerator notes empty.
9h32
